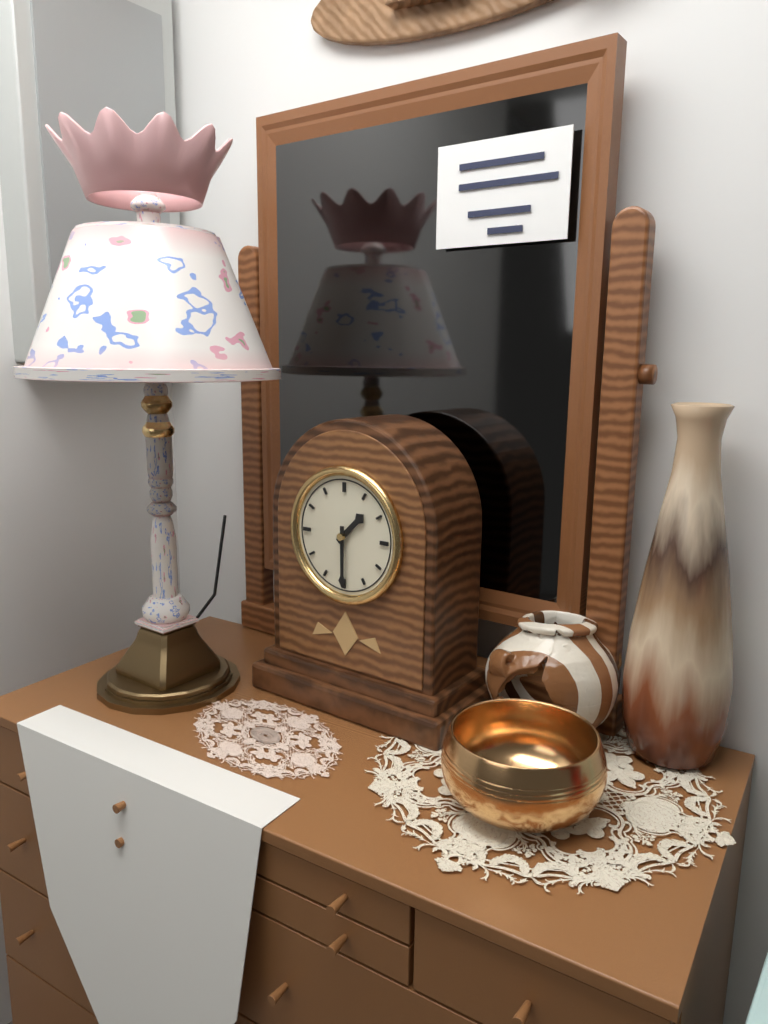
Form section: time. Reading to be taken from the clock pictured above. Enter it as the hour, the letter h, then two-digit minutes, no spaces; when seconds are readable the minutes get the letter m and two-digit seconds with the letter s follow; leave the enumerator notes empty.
1h30
